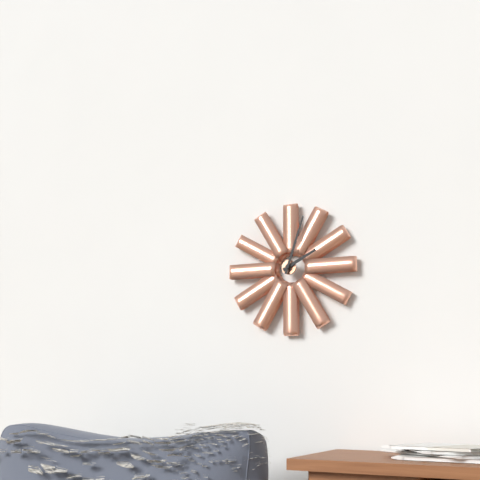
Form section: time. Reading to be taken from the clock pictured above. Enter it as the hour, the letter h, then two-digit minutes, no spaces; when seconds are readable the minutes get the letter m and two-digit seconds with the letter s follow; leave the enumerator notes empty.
2h03
